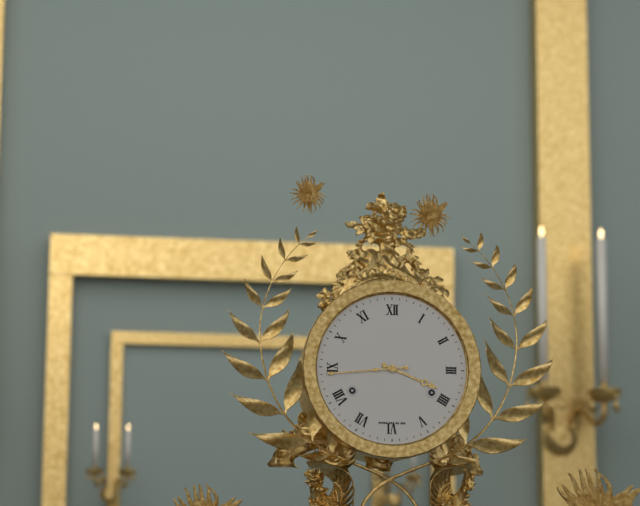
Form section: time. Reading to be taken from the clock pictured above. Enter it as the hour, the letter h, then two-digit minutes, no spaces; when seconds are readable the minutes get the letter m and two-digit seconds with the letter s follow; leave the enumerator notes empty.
3h44
